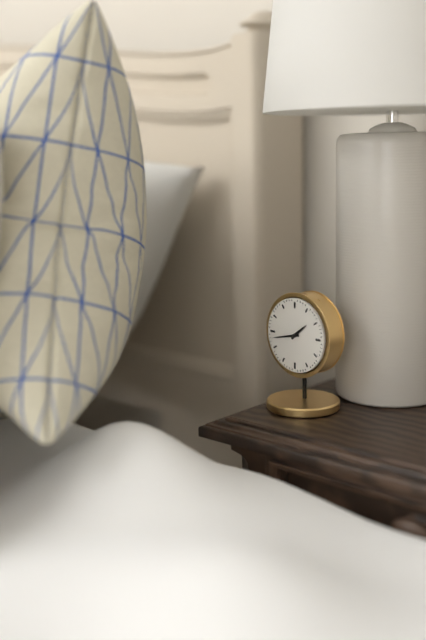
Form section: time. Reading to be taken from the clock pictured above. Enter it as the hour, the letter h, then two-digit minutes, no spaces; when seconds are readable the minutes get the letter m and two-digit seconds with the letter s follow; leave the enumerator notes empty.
1h43
